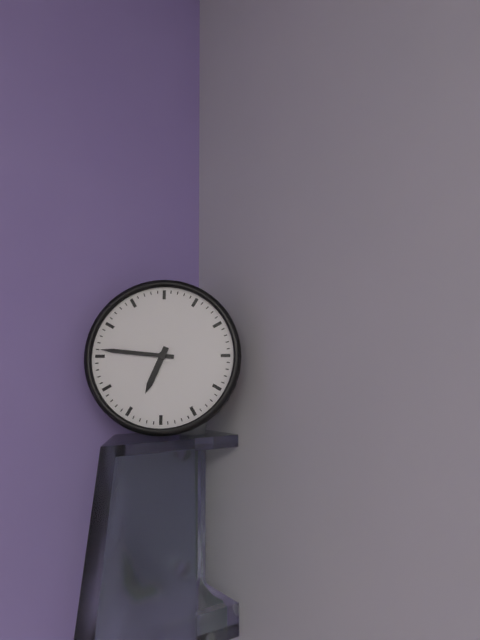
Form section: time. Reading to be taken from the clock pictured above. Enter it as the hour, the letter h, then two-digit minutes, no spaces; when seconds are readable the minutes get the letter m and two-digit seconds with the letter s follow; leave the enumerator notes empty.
6h46
